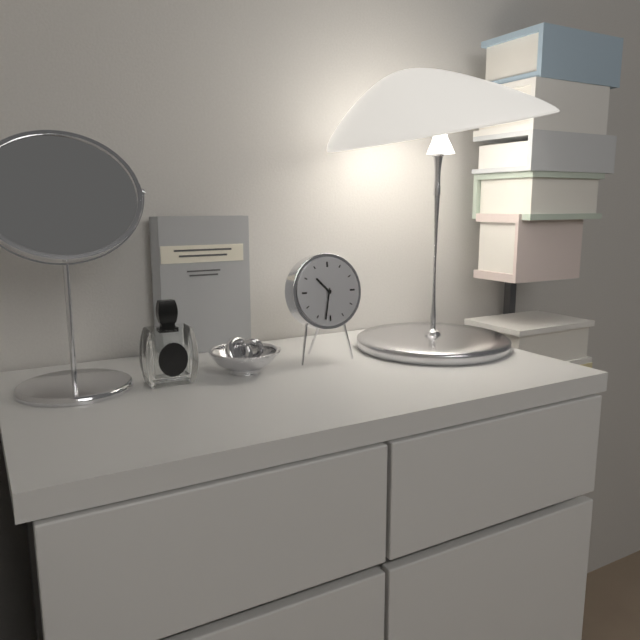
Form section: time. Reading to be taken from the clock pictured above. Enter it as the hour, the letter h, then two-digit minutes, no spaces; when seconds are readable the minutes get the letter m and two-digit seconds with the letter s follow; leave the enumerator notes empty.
10h32
